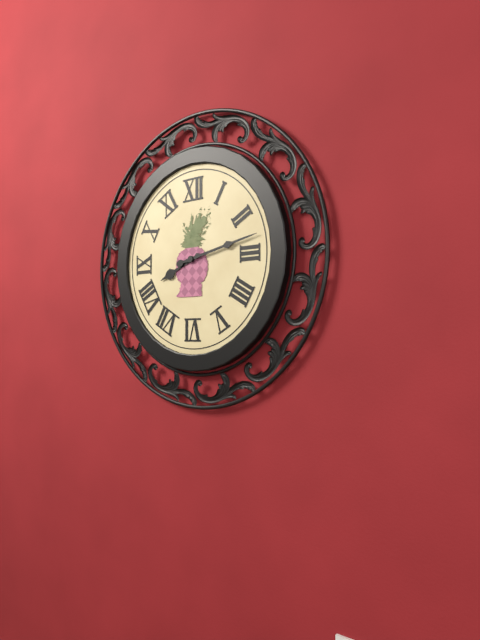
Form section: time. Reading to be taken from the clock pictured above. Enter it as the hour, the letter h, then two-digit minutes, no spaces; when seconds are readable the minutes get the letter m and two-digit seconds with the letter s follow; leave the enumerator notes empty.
8h13
